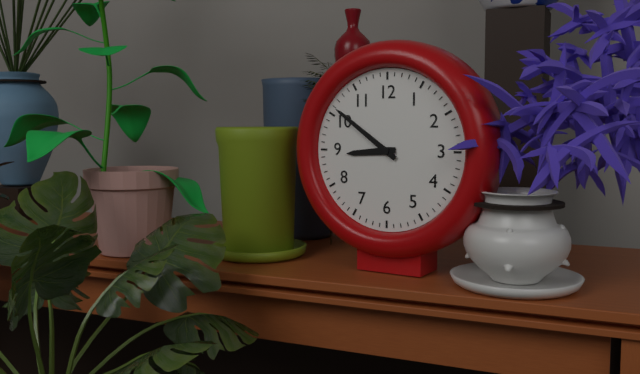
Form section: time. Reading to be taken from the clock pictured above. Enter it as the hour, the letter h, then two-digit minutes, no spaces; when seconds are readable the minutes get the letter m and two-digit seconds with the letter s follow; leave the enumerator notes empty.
8h51
